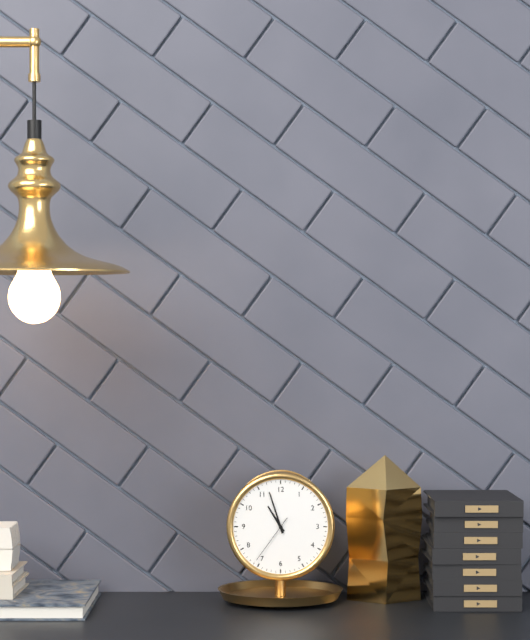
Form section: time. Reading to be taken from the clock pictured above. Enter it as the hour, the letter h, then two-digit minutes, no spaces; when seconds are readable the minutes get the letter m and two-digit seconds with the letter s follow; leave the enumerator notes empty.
10h57m36s
